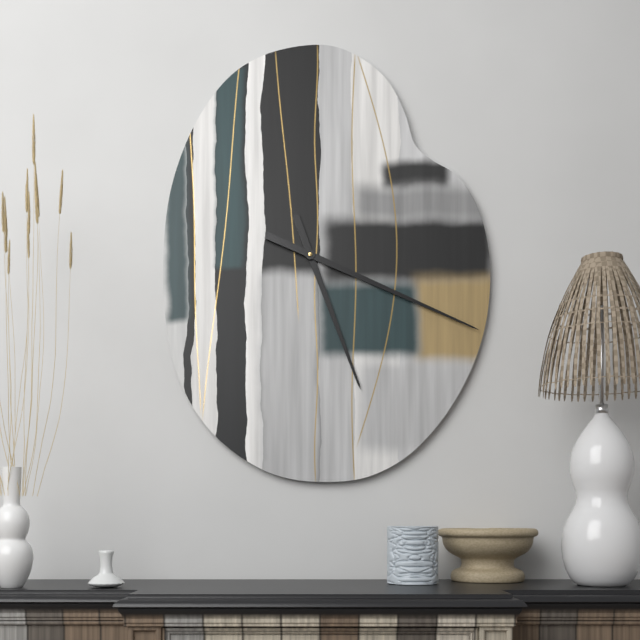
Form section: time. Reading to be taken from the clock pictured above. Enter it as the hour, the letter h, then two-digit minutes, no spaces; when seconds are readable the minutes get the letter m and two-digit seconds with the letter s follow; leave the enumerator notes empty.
5h19
